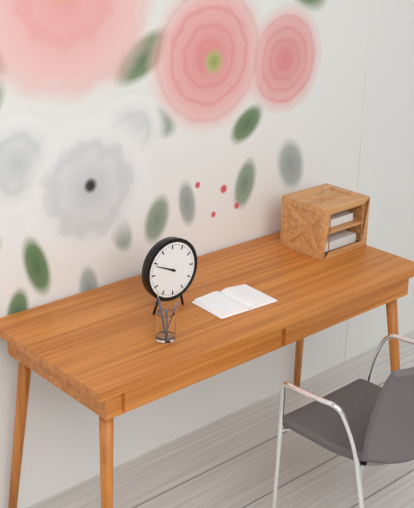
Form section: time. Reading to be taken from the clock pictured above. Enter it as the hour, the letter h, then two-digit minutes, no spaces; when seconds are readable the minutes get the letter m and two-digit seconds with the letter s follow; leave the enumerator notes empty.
9h49
